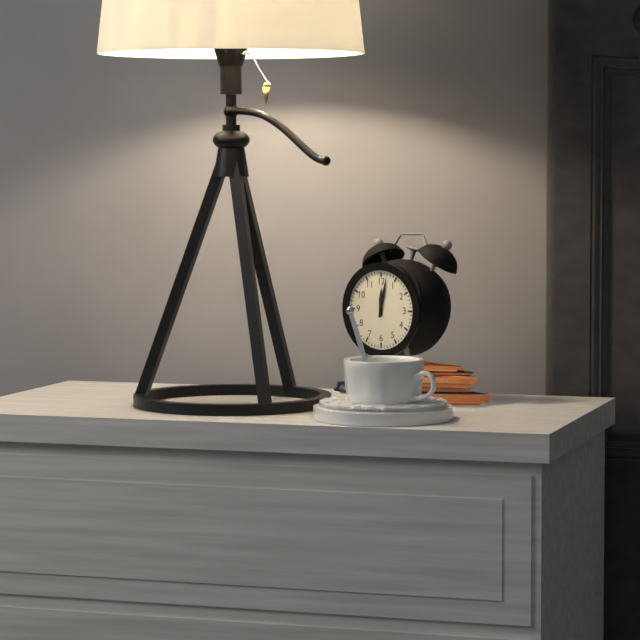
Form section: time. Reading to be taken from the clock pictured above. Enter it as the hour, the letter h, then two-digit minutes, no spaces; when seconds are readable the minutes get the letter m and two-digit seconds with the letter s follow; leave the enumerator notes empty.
12h02
